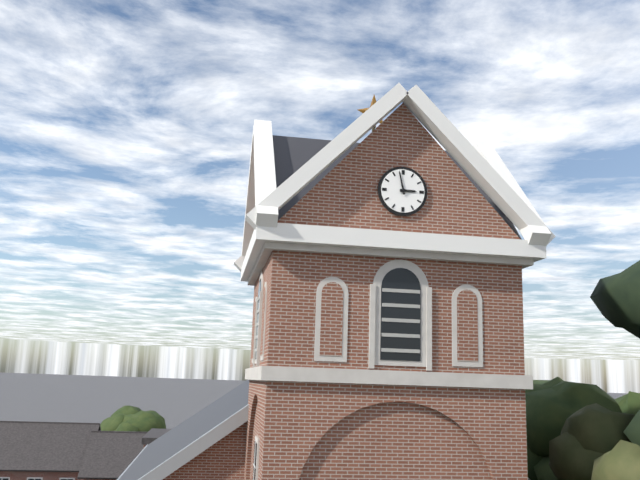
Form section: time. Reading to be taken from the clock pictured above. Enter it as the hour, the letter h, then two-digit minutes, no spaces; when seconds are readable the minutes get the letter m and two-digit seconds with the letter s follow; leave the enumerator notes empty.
2h58
